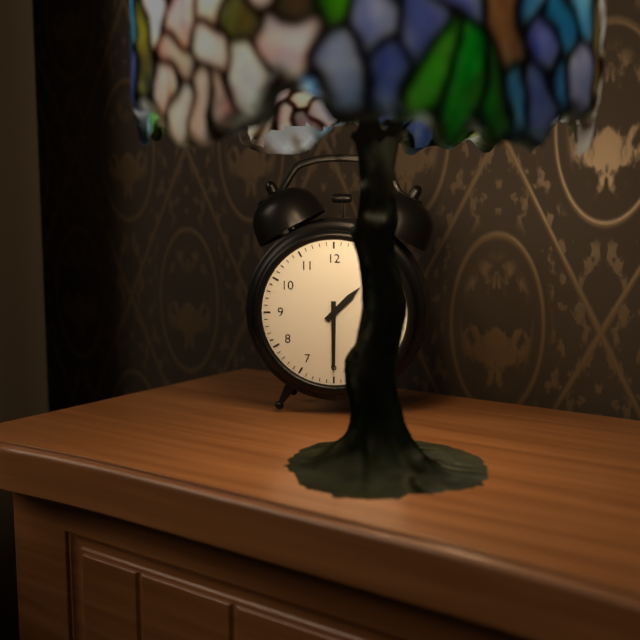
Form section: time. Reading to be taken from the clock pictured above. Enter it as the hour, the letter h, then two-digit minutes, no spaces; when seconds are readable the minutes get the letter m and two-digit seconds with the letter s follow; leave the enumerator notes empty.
1h30
